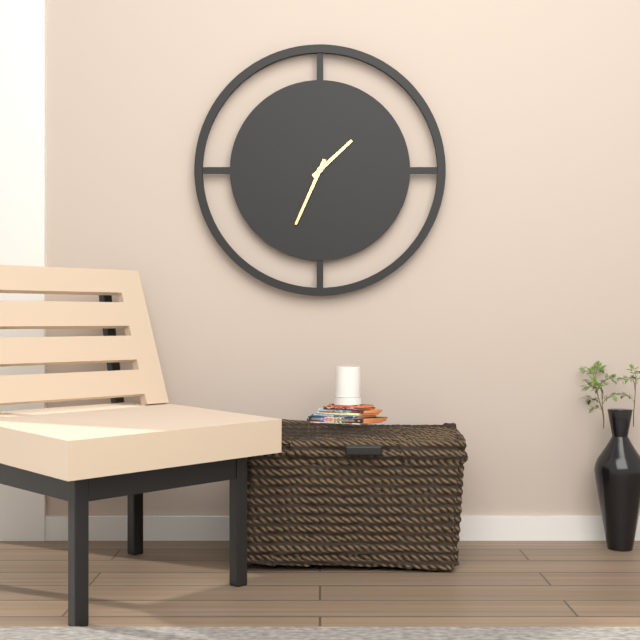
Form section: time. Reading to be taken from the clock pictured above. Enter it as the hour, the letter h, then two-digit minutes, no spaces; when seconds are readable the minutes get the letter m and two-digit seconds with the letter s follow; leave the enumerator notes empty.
1h34
